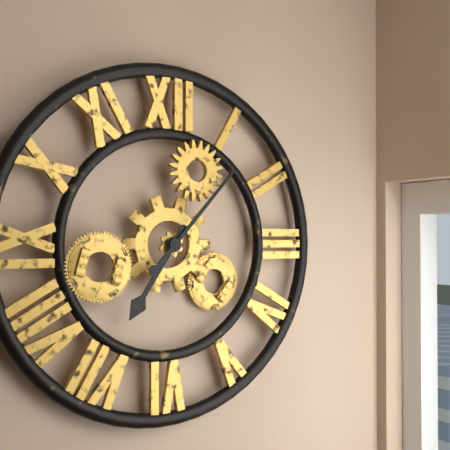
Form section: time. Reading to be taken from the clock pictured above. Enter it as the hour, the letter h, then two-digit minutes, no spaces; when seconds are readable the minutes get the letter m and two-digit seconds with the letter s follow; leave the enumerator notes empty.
7h07
